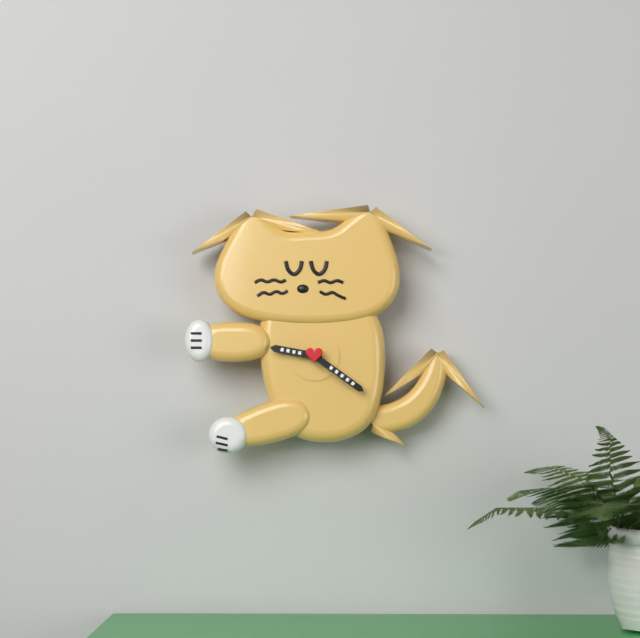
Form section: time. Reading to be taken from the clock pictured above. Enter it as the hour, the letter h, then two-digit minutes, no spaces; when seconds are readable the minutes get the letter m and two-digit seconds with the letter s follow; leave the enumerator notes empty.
9h21
